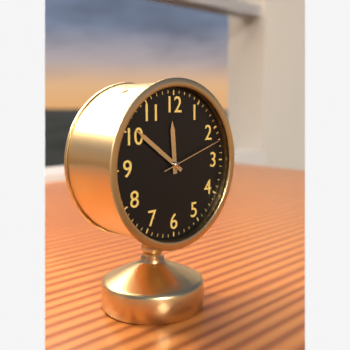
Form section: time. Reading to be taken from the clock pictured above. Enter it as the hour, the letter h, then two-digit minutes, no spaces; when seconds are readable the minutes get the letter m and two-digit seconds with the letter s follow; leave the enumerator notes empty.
11h51m12s
